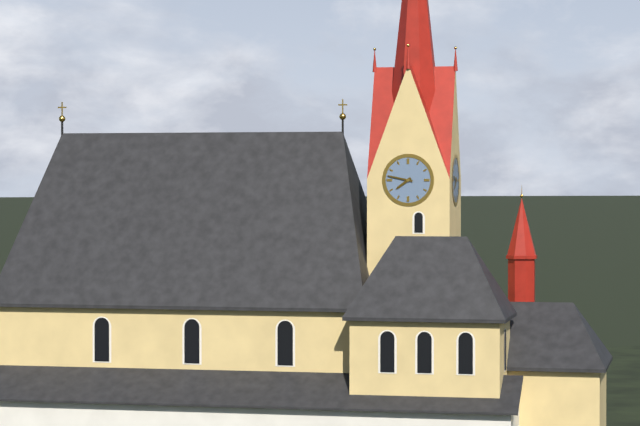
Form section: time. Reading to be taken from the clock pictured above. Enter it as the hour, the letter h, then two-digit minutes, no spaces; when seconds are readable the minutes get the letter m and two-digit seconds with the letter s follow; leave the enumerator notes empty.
7h47
